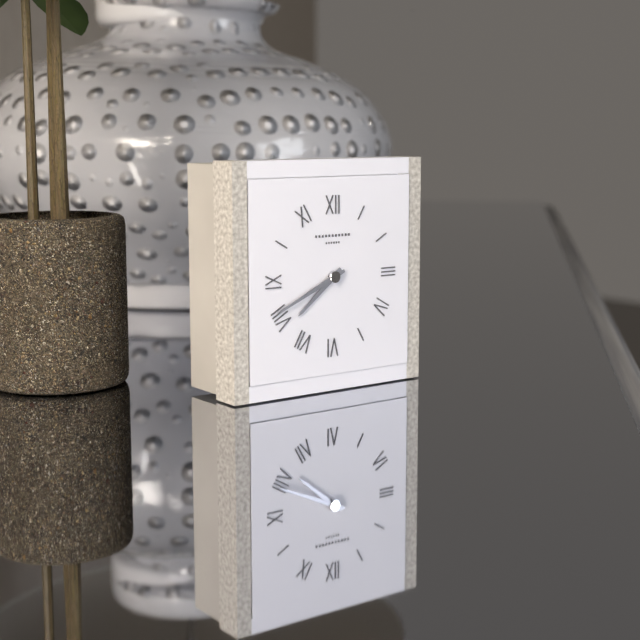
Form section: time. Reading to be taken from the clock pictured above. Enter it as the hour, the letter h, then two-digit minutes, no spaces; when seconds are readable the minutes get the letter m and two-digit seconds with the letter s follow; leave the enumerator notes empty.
7h41
